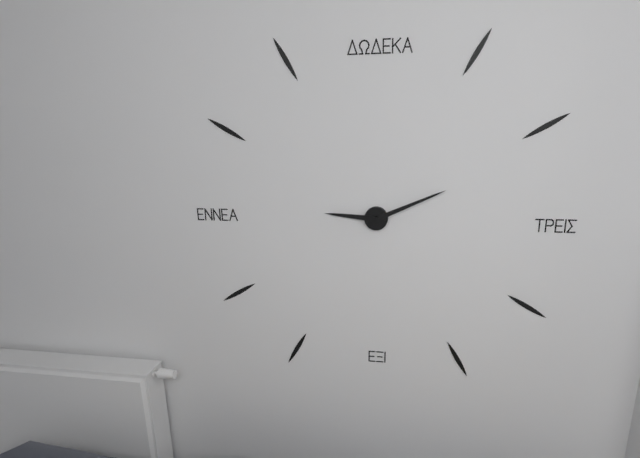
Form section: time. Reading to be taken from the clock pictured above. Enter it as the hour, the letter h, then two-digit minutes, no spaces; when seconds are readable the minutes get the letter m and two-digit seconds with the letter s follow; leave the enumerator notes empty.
9h11
